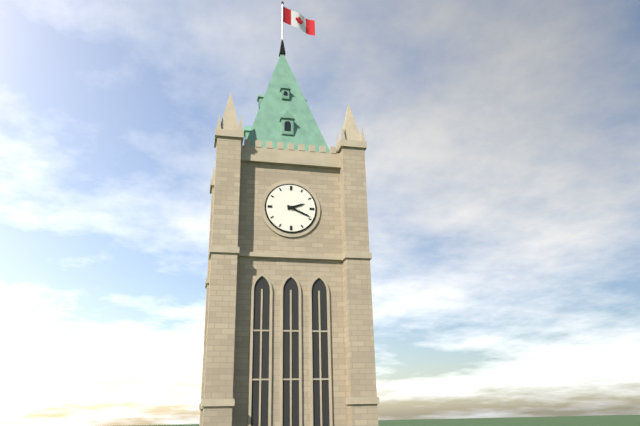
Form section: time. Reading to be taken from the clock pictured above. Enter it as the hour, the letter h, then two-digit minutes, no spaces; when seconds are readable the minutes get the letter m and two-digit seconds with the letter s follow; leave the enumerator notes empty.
2h19
